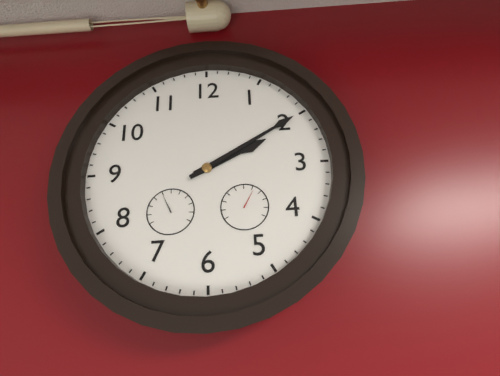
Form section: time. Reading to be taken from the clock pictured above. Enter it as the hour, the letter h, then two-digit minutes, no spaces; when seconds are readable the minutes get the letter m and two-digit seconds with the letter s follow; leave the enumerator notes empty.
2h10
